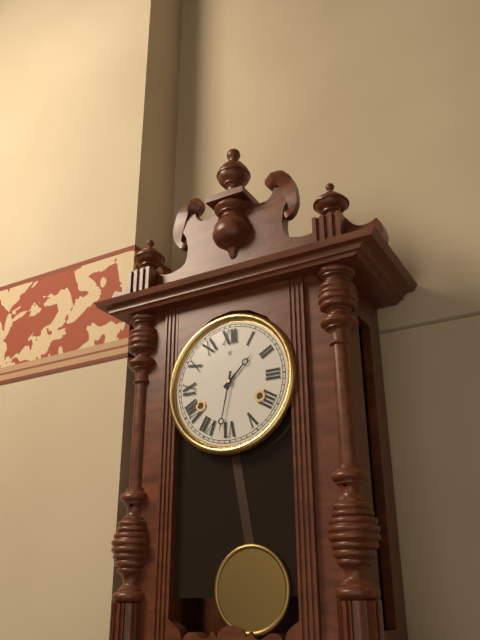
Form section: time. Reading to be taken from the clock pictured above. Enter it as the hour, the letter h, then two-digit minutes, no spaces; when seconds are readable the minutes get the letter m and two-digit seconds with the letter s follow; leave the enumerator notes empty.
1h32
